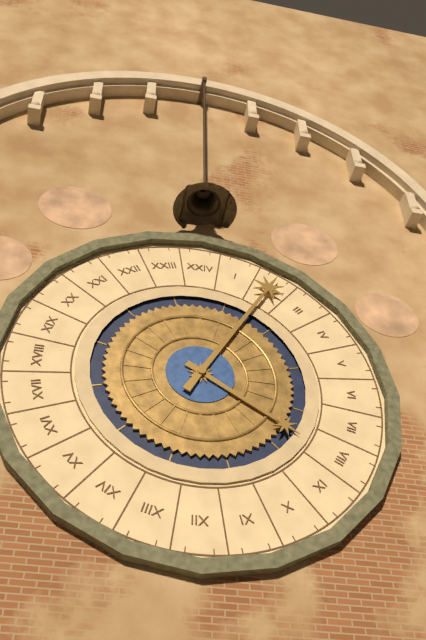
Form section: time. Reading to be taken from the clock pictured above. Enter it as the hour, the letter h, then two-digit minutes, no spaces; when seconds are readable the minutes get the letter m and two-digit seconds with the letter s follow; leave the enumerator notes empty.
4h05
